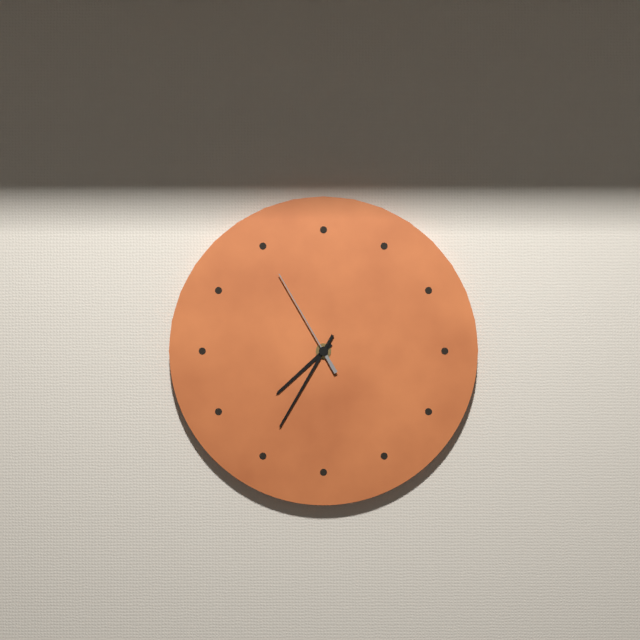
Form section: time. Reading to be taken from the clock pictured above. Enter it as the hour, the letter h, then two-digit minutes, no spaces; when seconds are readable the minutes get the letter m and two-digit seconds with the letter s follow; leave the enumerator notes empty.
7h35m55s
